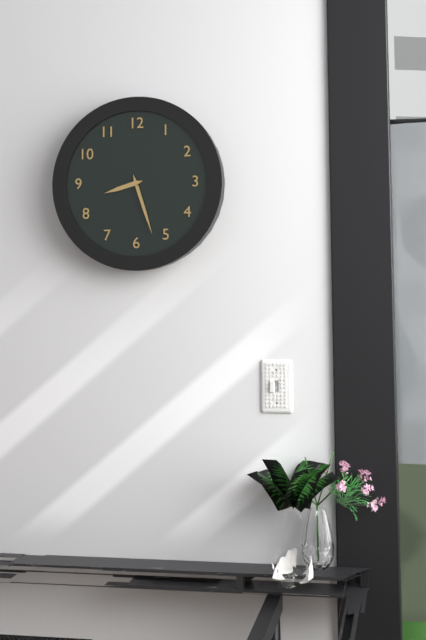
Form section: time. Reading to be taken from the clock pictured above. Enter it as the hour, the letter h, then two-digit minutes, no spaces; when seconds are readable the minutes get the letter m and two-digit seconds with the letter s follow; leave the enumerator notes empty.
8h27
